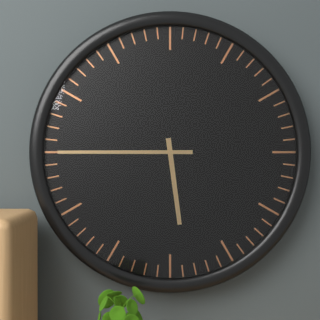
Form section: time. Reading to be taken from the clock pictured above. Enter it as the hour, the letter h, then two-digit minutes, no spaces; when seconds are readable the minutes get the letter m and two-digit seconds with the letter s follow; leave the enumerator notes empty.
5h45
